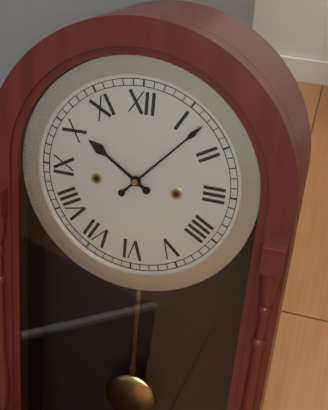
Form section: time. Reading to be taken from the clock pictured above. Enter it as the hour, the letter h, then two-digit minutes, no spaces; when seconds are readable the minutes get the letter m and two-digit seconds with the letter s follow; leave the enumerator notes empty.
10h07
